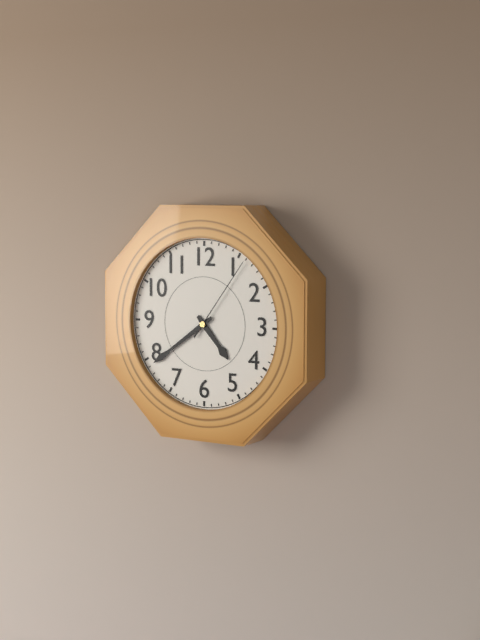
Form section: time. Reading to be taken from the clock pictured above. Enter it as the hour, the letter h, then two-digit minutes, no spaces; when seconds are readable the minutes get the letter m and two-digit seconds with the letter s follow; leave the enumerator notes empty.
4h39m06s
